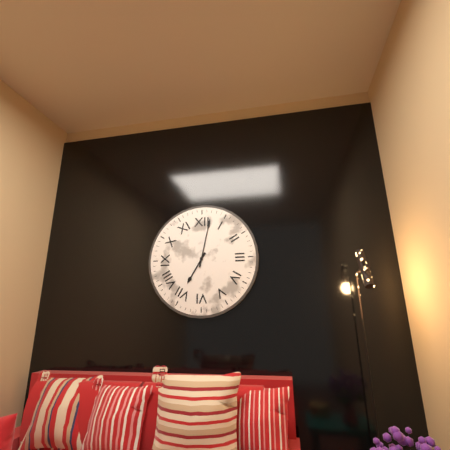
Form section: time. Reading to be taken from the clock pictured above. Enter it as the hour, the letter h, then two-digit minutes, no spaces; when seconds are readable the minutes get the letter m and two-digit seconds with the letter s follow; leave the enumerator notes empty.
7h02
